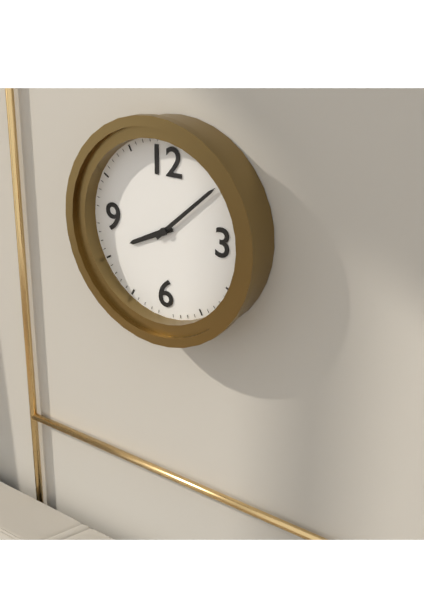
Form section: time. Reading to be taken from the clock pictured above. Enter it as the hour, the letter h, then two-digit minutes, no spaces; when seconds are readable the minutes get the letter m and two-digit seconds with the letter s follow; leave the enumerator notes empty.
8h08
